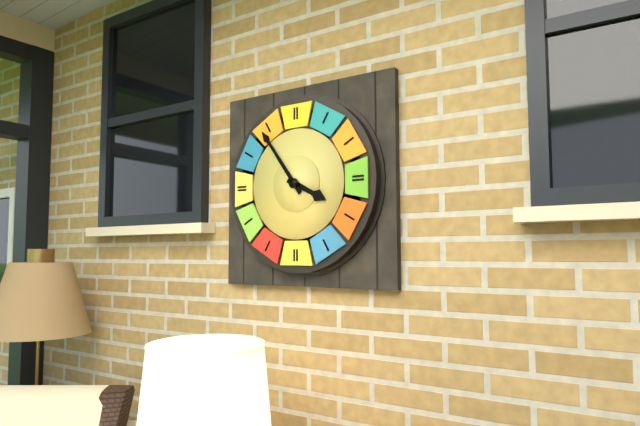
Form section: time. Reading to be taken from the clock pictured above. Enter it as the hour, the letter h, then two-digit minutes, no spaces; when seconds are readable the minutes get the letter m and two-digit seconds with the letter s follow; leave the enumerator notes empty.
3h54
